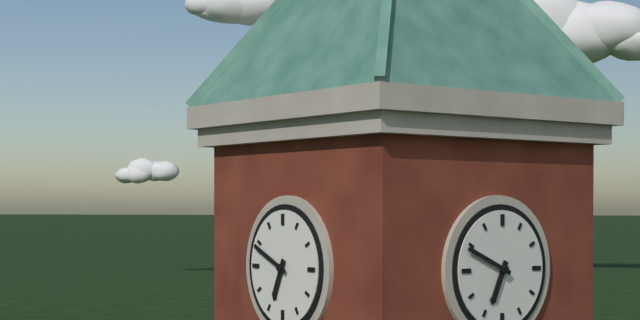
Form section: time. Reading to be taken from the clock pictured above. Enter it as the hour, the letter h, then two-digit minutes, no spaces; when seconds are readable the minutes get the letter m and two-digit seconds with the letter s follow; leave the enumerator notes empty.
6h49
